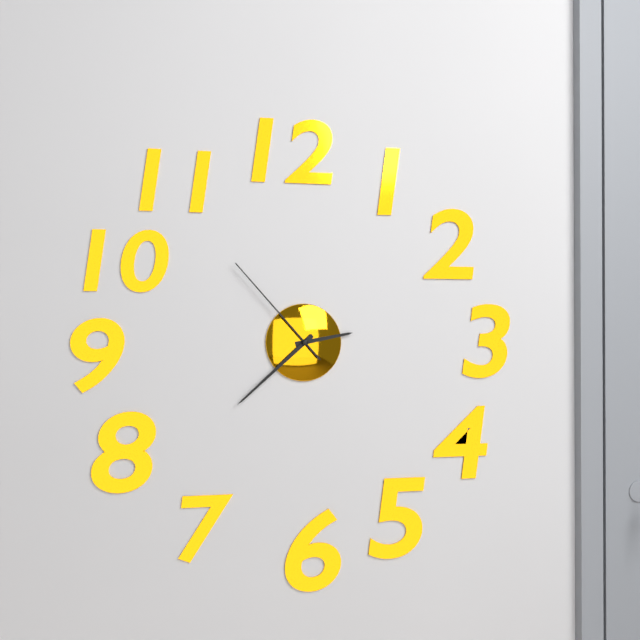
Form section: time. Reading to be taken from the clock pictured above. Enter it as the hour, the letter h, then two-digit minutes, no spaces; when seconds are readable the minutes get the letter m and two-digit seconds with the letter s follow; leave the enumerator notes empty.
2h38m53s
